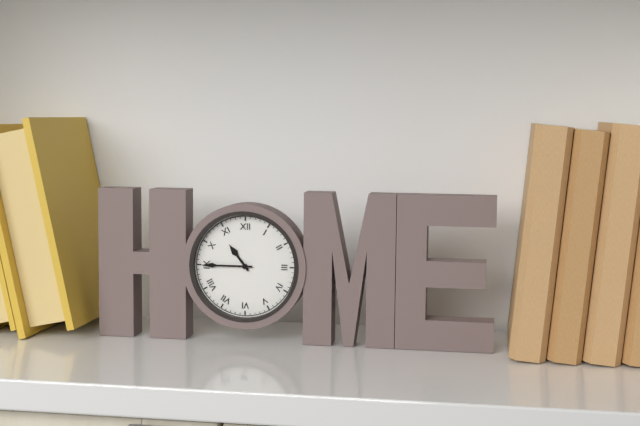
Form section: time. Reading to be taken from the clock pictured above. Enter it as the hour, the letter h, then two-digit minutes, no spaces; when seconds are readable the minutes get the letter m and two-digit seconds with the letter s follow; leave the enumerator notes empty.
10h45
